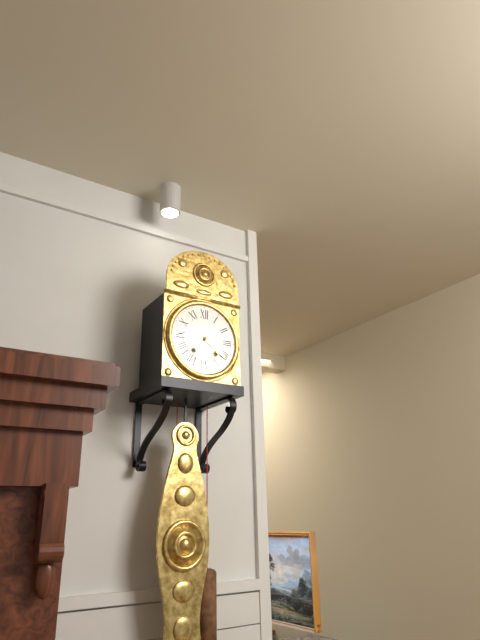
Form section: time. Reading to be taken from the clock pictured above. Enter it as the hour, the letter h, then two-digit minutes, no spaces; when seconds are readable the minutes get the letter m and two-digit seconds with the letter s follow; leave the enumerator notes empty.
2h21
